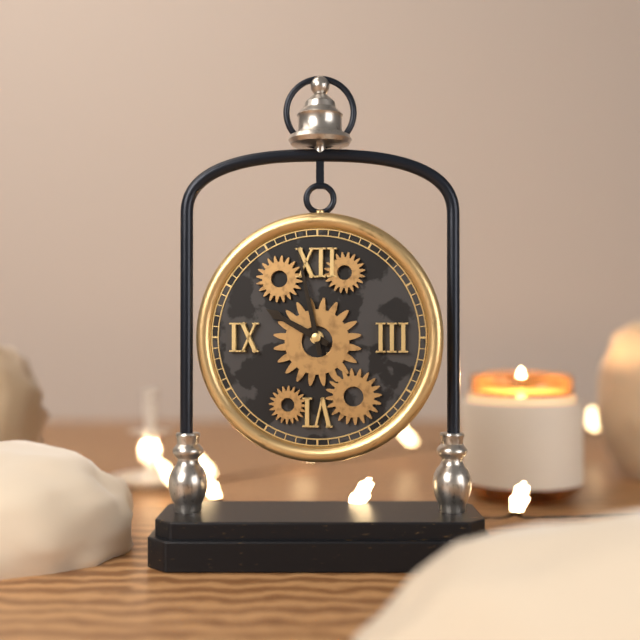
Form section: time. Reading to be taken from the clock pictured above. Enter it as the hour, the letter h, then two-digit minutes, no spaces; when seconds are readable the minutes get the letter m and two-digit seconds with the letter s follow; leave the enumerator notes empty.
9h58
